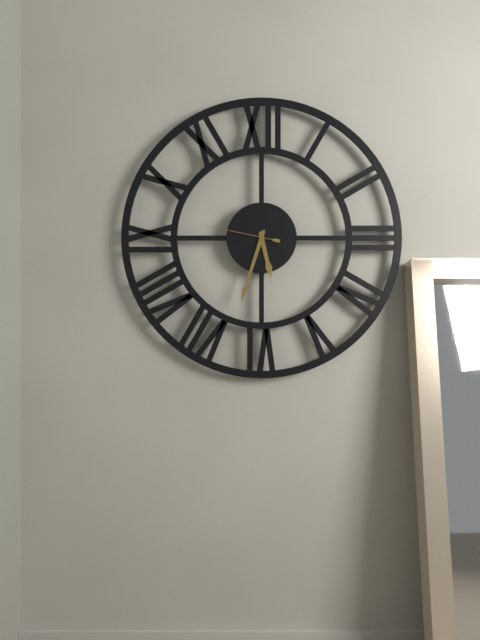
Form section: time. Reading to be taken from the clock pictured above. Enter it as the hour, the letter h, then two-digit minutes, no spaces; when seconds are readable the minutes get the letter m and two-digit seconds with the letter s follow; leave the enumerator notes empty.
5h33m47s
